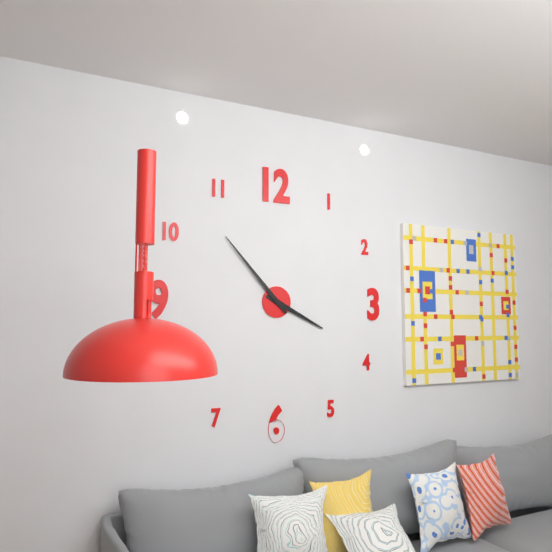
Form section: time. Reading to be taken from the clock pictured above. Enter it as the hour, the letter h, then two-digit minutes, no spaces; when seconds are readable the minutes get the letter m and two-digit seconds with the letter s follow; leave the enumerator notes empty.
3h53
